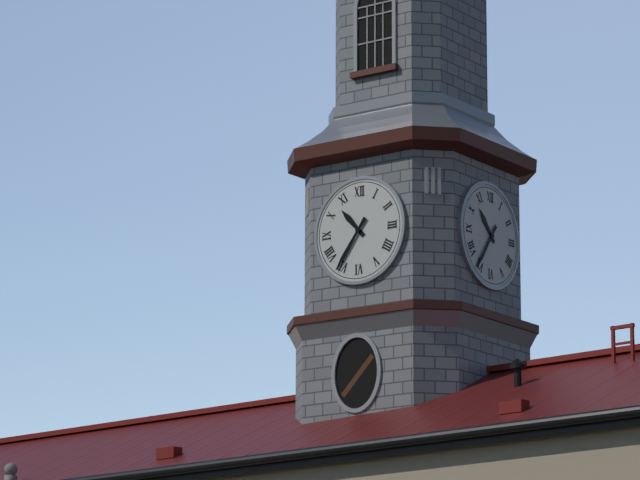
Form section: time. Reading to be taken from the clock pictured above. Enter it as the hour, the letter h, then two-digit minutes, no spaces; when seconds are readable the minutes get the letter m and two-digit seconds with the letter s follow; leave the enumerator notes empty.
10h36
